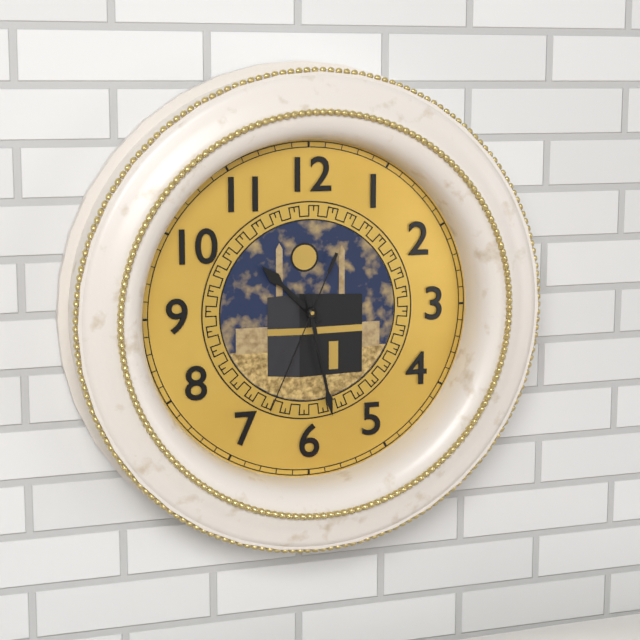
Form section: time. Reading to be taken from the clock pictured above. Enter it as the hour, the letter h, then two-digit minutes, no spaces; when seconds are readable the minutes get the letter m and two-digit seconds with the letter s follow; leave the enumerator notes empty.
10h28m34s
